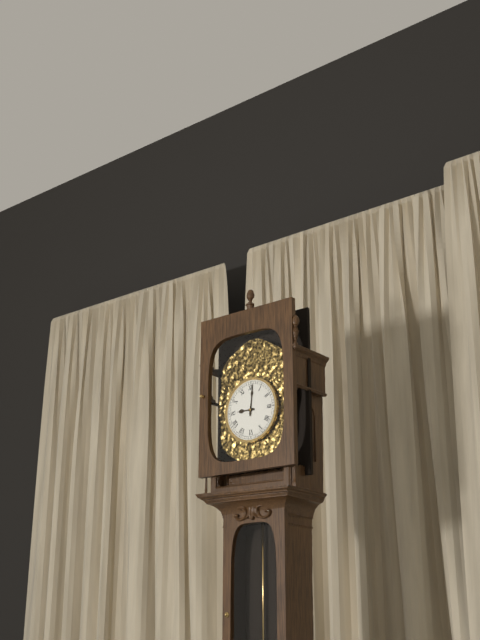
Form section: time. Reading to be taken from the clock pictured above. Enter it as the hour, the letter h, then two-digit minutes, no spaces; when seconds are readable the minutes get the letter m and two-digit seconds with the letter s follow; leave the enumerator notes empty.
9h01
